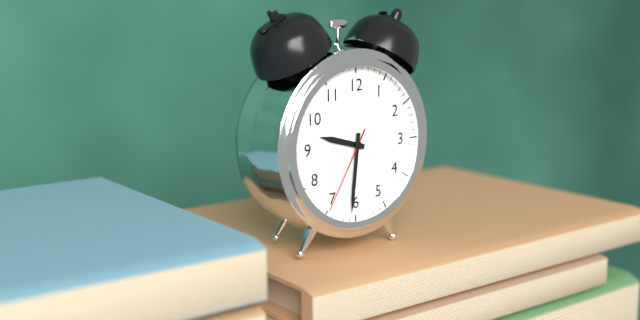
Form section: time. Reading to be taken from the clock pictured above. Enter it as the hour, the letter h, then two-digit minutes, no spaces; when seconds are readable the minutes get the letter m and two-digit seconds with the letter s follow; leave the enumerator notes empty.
9h31m35s
